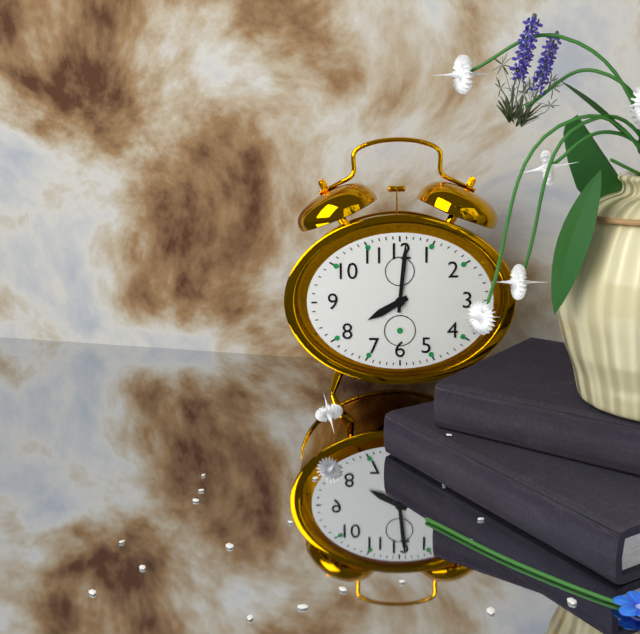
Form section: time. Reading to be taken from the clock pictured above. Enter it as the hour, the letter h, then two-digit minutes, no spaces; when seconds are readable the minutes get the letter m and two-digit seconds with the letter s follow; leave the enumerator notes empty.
8h01
